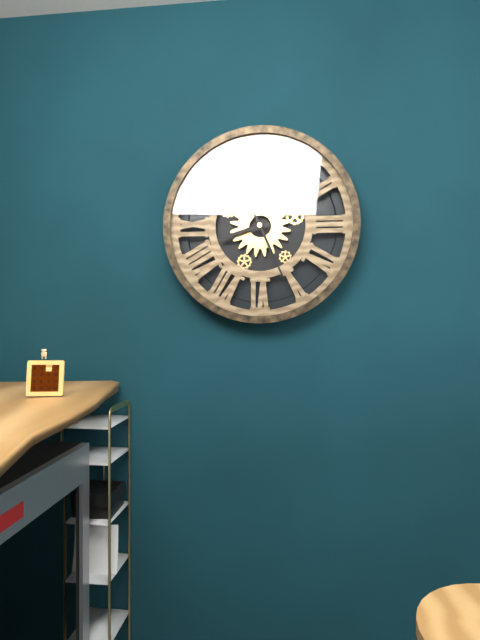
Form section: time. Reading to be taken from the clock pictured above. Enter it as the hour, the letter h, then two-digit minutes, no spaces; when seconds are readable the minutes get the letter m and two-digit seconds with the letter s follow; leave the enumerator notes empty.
8h26
